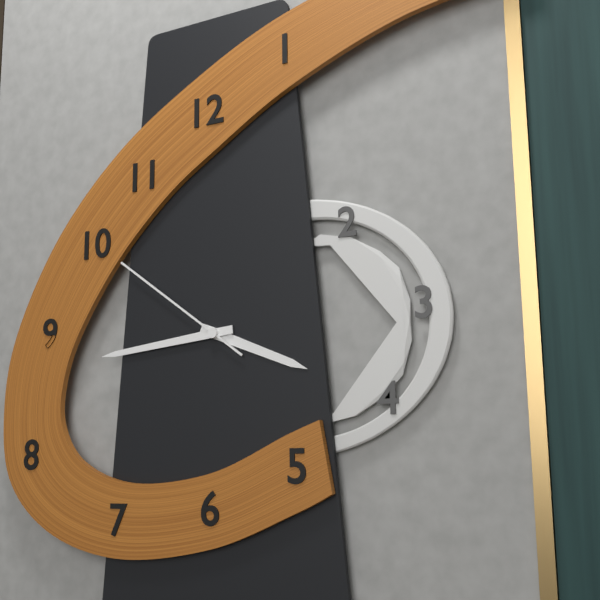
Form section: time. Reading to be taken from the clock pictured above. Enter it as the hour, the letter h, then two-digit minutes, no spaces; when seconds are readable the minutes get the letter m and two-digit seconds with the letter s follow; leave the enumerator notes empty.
3h44m51s
